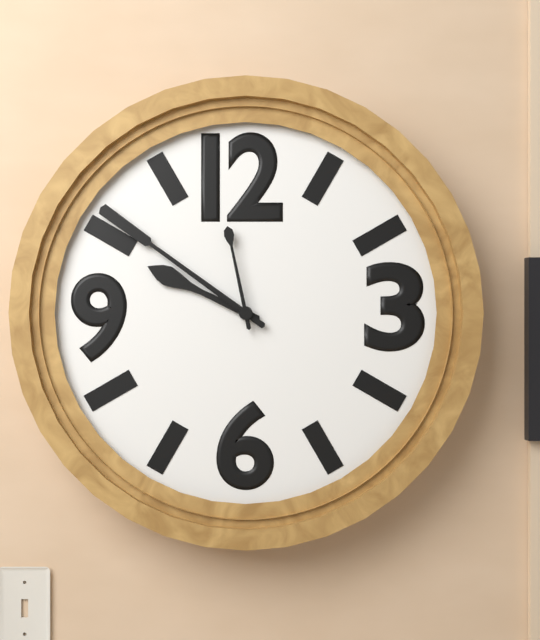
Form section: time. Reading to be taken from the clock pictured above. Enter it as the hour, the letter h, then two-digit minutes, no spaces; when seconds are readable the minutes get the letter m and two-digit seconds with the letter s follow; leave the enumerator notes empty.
9h51m58s
